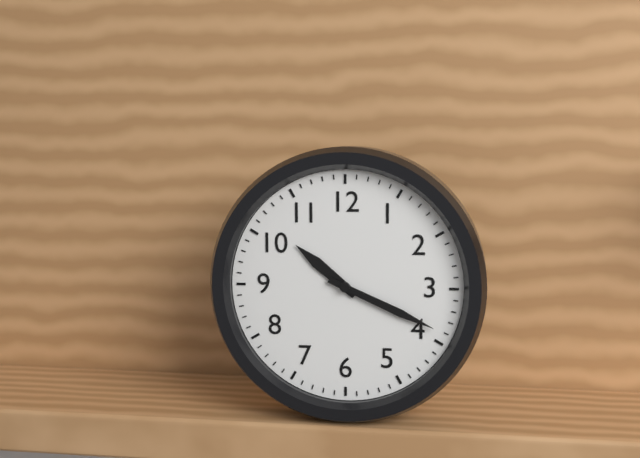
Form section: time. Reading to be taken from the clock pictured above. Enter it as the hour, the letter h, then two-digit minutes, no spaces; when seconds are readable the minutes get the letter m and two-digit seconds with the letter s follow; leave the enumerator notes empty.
10h19
